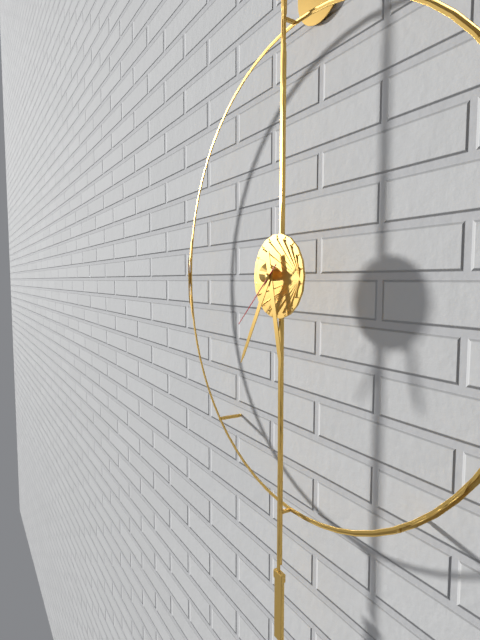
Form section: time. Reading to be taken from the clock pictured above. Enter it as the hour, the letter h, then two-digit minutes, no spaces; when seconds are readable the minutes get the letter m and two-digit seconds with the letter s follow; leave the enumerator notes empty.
5h35m38s
